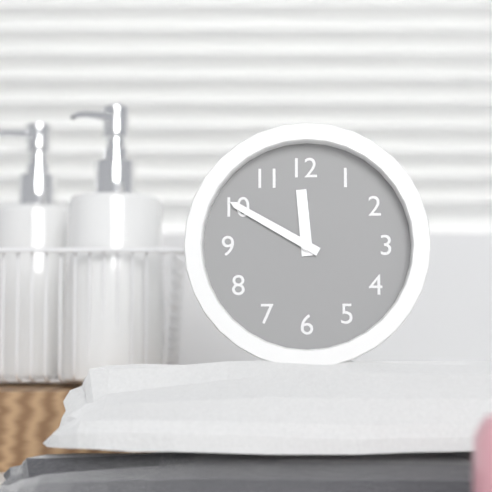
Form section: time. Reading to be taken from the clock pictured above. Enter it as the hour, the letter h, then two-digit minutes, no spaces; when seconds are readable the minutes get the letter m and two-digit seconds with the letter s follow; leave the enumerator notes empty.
11h50
